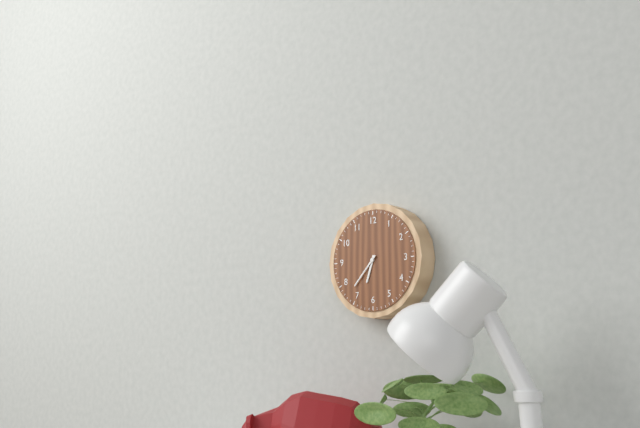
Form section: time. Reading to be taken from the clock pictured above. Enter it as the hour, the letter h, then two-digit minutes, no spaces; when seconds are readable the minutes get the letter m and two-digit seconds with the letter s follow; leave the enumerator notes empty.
6h37
